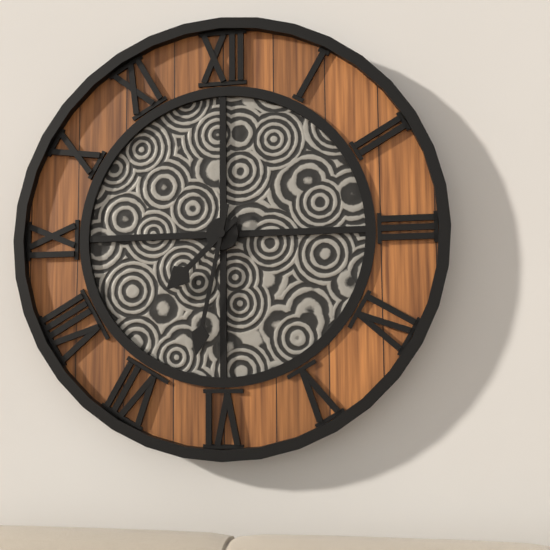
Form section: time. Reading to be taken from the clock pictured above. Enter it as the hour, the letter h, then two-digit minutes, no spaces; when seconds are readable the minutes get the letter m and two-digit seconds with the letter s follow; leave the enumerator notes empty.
7h32
